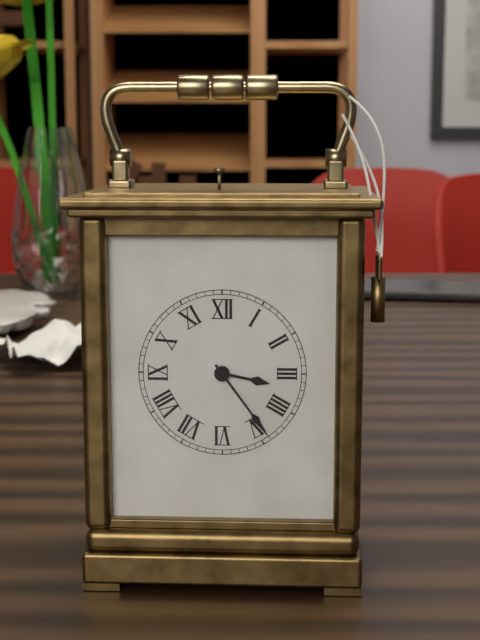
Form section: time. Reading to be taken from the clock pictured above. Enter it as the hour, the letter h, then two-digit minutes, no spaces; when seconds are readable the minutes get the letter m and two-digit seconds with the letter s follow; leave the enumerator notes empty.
3h24
